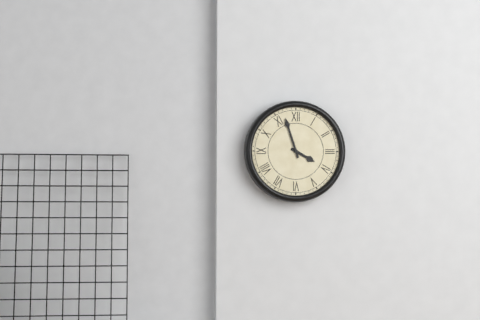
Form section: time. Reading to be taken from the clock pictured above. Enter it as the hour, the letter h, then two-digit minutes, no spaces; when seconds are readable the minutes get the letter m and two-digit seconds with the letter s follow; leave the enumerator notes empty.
3h57
